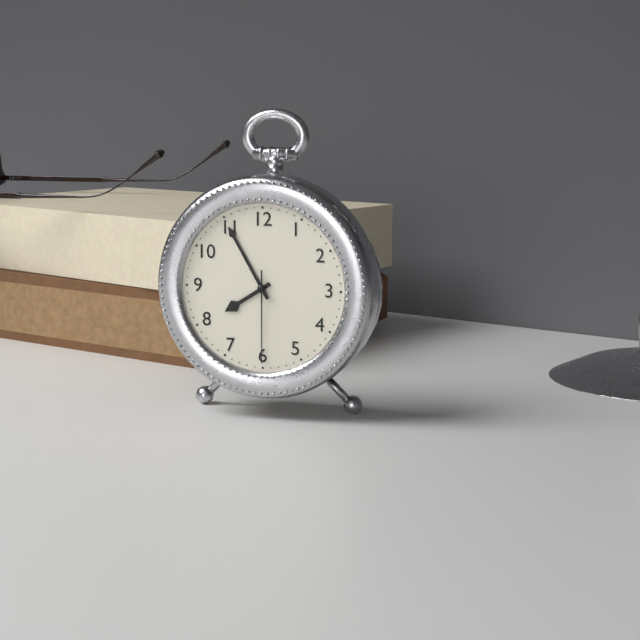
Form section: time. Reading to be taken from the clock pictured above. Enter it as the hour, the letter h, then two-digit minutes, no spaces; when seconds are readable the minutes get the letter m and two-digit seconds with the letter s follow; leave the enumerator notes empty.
7h55m30s
